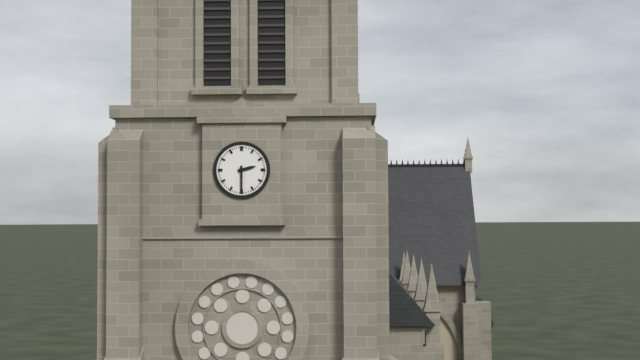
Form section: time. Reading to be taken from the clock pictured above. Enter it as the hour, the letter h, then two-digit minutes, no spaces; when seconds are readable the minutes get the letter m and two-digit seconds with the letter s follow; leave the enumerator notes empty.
2h30
